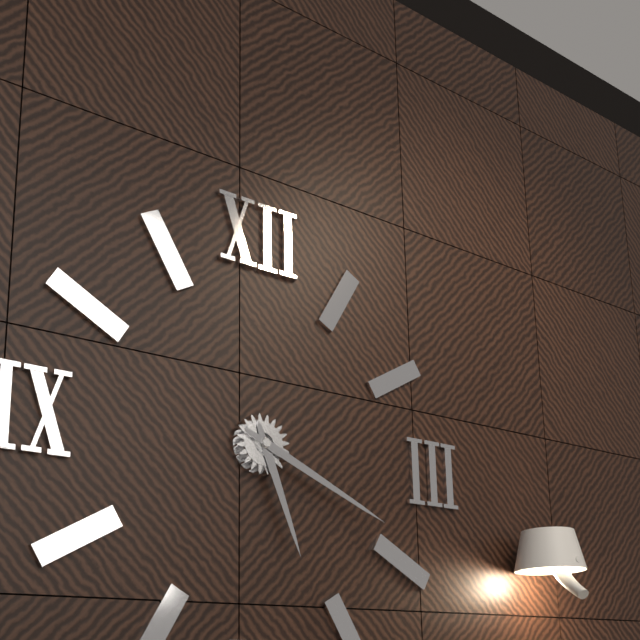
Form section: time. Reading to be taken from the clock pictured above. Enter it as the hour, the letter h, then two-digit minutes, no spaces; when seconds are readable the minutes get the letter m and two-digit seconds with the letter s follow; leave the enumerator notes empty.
5h19
